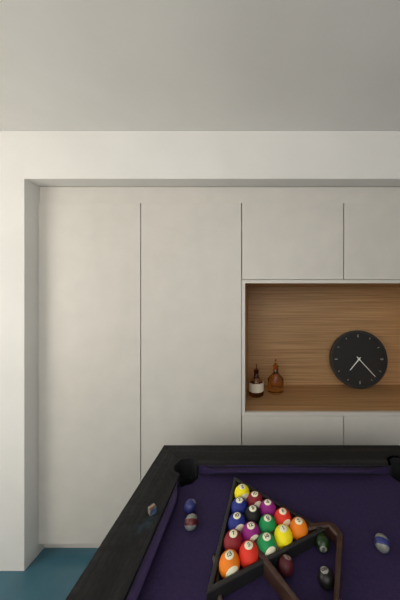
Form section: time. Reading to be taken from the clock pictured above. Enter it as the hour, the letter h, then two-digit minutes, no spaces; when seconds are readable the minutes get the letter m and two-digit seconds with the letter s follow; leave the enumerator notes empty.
7h23
